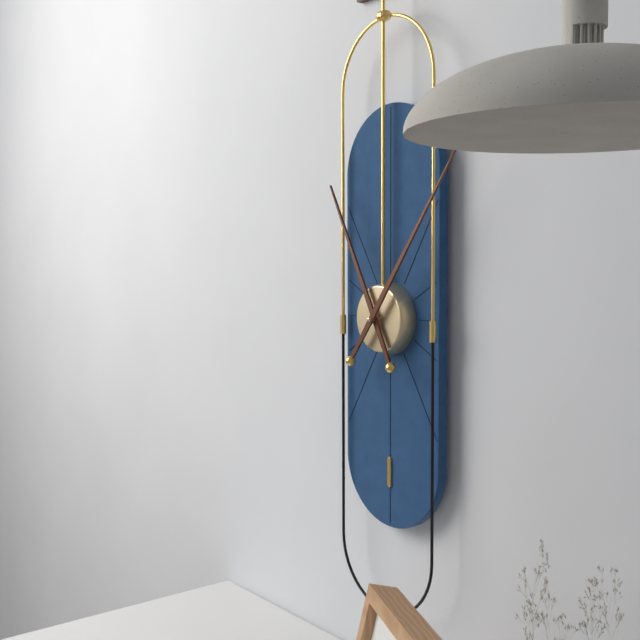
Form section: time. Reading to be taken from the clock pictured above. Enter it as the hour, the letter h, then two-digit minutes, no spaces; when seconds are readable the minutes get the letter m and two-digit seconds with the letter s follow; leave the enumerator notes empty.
11h06
